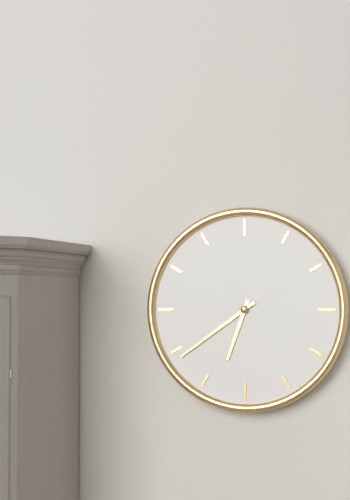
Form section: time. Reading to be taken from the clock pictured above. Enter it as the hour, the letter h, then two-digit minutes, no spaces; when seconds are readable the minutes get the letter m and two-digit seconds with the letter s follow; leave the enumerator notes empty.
6h39
